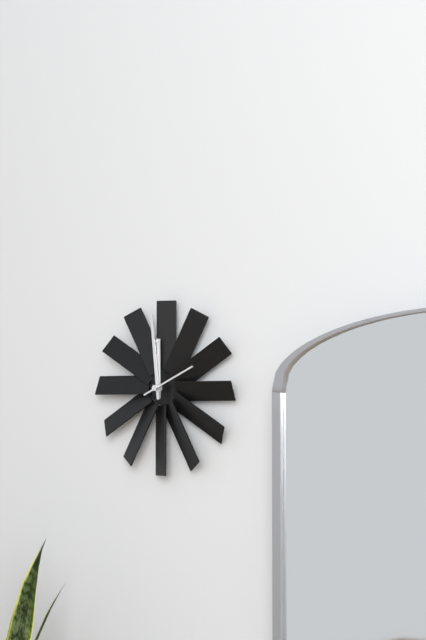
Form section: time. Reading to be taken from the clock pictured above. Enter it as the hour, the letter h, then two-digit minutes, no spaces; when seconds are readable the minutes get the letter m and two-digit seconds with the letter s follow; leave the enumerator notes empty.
11h59m11s
